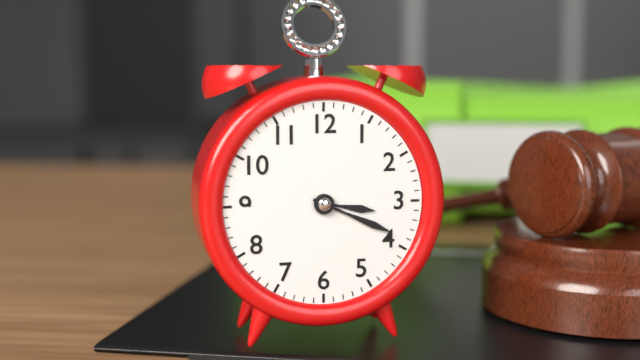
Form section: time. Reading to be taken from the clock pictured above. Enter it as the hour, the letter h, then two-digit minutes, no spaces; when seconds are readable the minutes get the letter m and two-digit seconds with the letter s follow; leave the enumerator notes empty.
3h19
